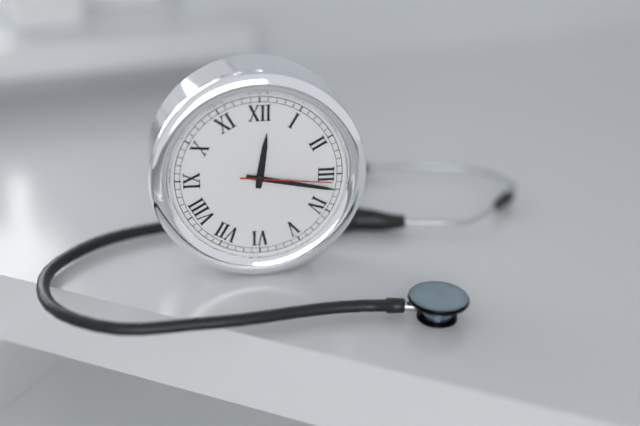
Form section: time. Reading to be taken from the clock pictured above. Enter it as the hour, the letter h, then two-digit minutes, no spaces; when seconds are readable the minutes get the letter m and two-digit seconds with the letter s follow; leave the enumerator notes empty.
12h17m16s
